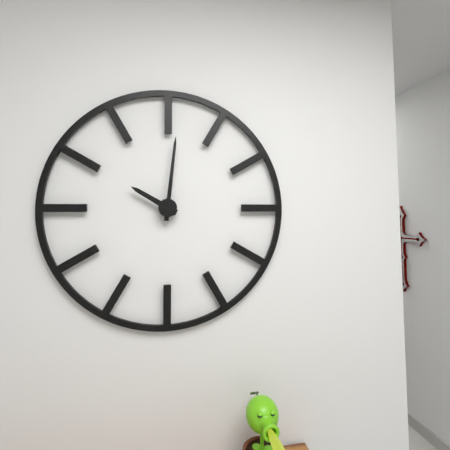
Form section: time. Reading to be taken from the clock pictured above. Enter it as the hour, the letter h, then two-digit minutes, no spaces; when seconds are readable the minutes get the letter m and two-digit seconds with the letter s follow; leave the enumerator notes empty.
10h01
